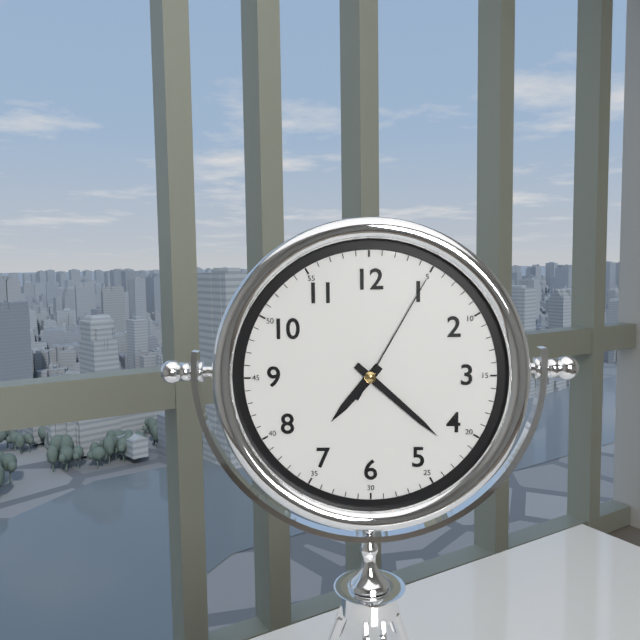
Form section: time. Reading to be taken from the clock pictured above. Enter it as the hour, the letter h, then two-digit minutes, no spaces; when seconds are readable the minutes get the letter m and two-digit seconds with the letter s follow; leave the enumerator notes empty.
7h22m05s
